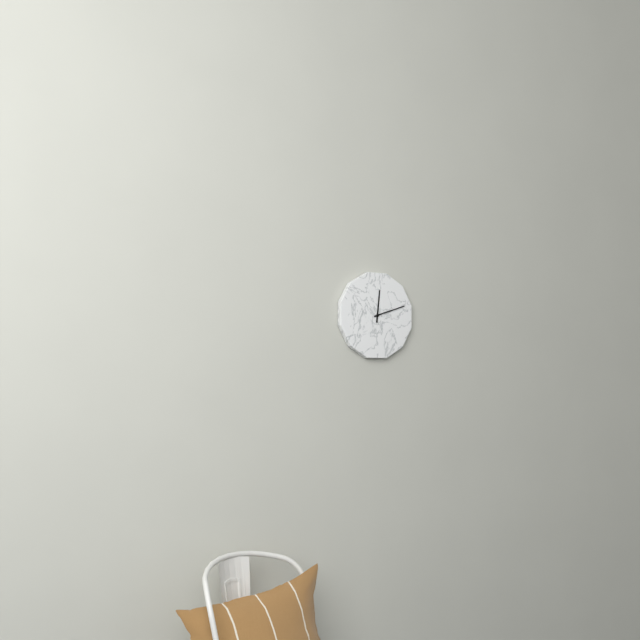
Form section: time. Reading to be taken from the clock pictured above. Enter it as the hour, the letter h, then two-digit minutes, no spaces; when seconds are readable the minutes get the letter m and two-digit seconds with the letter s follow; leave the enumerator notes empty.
12h12
